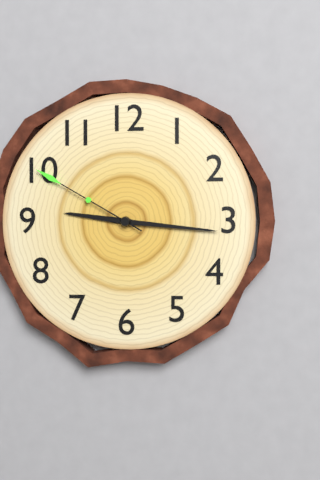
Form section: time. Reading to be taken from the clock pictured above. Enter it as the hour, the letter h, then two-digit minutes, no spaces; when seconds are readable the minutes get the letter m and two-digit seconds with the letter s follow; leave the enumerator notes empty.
9h16m50s
